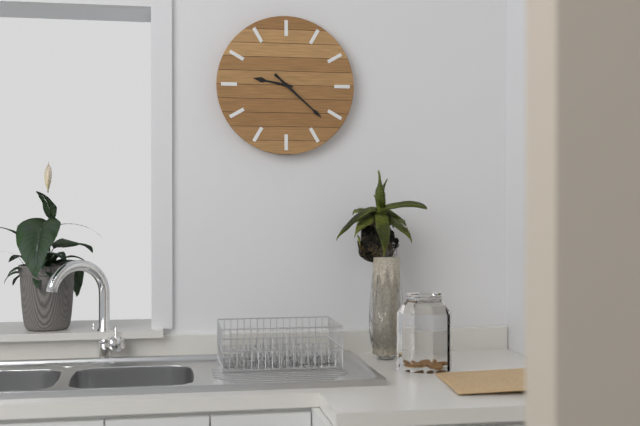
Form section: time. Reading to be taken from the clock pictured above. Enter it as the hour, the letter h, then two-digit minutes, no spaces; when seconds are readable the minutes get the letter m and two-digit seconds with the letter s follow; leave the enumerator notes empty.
9h22
